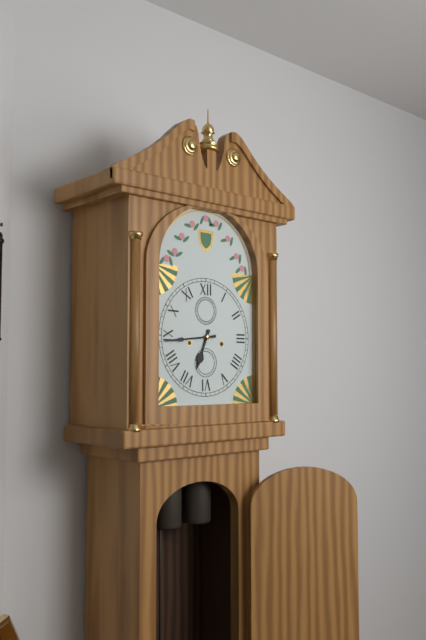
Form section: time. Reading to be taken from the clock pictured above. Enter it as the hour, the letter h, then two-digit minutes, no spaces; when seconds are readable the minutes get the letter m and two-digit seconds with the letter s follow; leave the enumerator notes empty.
6h44
